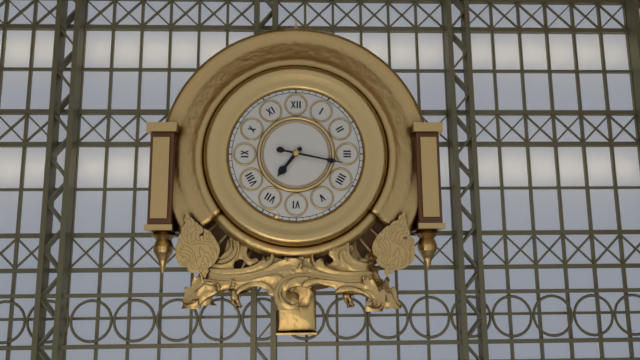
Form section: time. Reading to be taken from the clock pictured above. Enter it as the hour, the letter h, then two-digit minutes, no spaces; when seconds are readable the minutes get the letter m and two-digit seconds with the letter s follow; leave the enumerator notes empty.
7h17
